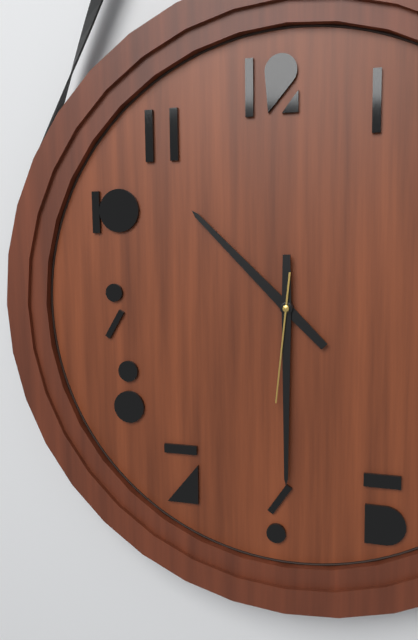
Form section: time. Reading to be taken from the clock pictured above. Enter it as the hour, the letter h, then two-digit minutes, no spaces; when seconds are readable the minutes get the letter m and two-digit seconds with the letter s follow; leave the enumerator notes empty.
10h30m31s
